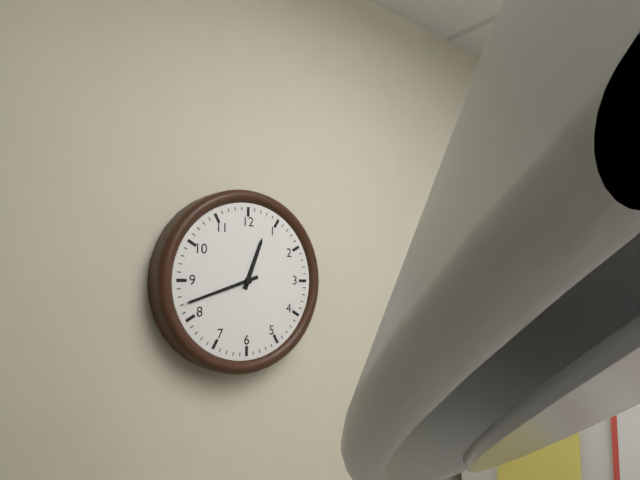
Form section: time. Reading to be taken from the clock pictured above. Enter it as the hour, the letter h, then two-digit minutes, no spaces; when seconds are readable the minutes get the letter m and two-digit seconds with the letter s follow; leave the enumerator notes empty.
12h42
